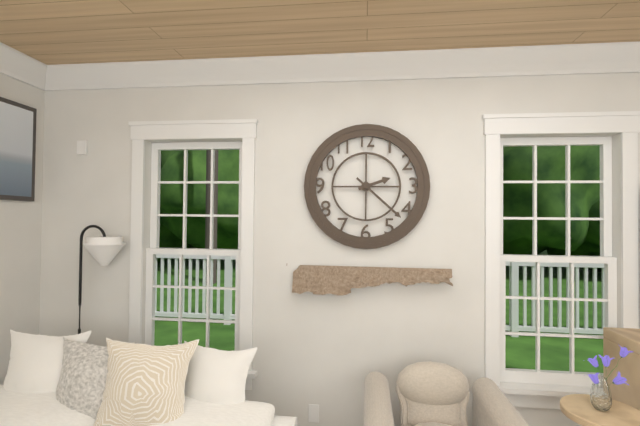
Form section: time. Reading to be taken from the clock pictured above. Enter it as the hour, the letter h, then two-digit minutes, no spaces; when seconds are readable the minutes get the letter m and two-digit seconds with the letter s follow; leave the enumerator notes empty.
2h22
